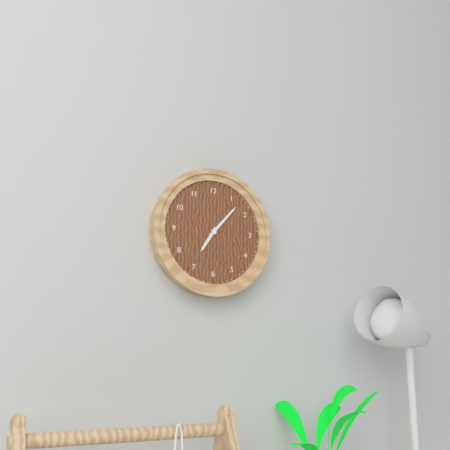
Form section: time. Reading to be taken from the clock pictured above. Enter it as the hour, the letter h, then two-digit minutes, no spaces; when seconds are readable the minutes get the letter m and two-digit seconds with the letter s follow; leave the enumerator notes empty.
7h07
